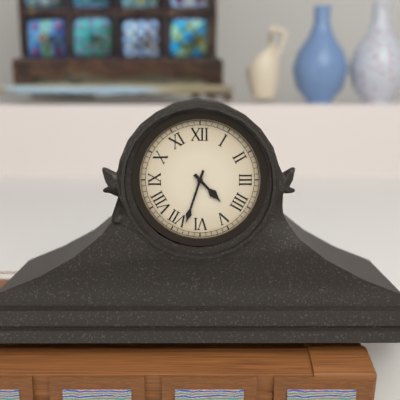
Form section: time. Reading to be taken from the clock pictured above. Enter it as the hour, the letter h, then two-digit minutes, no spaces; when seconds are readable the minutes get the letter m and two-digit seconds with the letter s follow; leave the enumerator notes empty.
4h33
